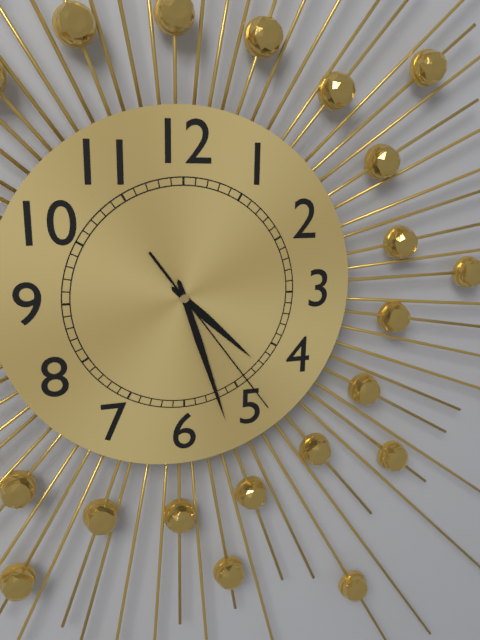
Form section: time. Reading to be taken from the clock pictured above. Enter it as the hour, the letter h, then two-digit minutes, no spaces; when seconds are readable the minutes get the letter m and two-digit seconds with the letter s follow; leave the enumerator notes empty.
4h27m24s
